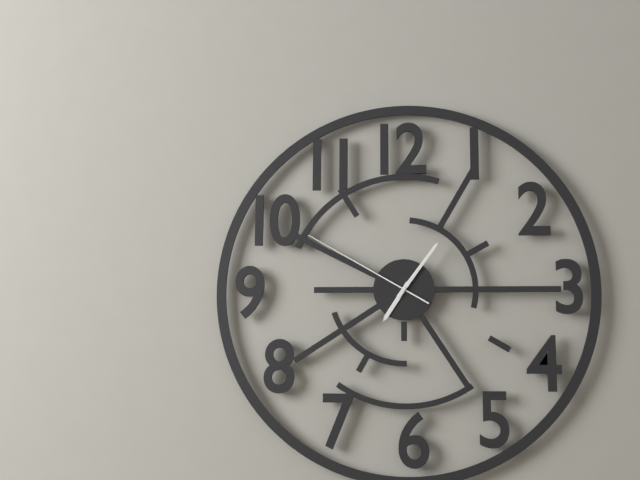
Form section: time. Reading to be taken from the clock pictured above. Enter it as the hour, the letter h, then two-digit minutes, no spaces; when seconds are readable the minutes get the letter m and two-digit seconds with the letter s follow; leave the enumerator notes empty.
7h06m50s
